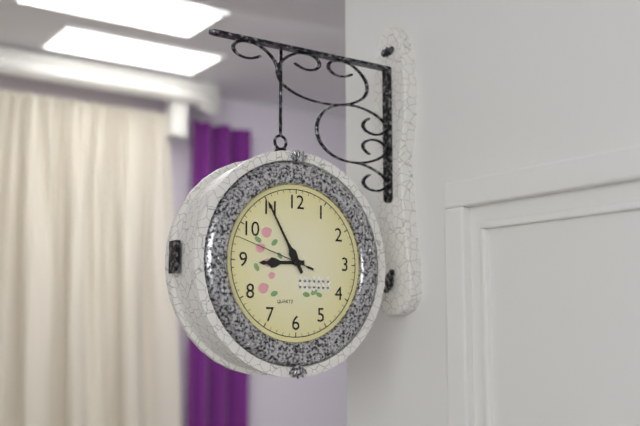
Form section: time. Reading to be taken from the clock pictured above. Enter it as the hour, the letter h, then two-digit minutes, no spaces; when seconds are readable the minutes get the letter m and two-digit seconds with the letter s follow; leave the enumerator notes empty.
8h55m48s
